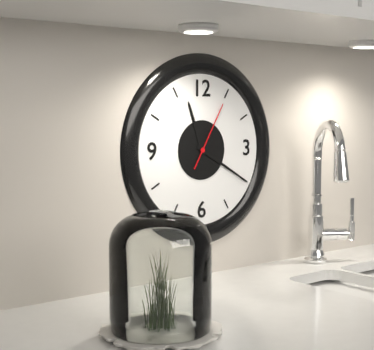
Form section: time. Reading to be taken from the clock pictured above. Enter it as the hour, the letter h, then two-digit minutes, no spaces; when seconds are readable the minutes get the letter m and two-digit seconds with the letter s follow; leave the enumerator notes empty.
11h20m05s
